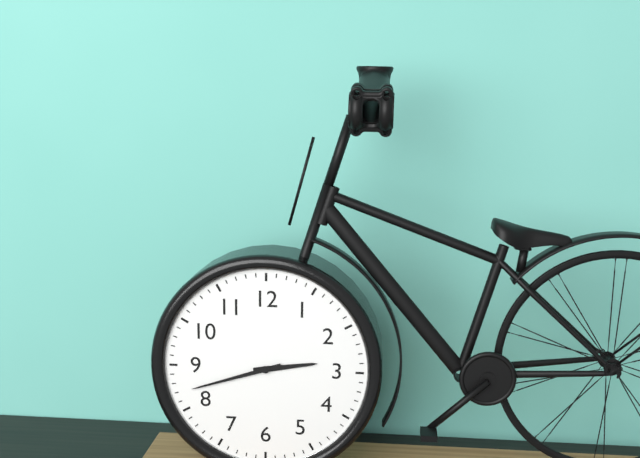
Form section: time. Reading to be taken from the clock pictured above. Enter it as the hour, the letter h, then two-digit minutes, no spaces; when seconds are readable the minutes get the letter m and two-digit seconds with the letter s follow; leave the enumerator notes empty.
2h42
